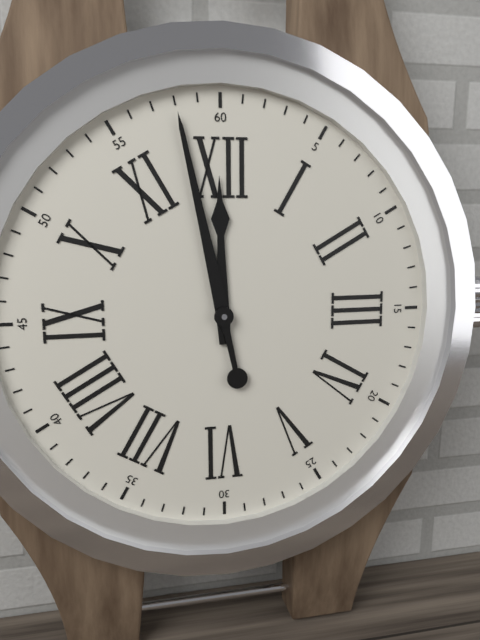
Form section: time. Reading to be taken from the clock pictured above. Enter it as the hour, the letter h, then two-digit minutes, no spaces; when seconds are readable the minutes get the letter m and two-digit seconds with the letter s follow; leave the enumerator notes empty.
11h58
